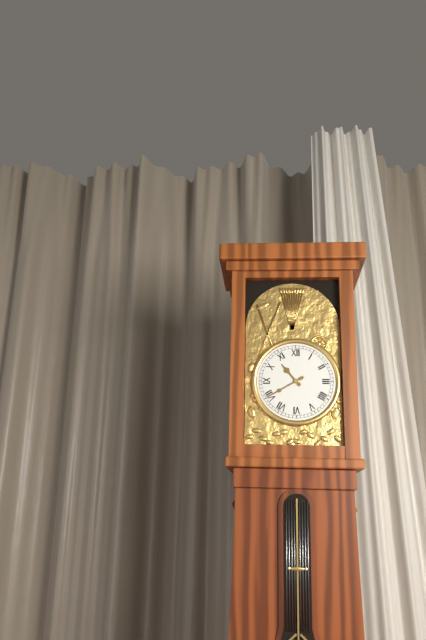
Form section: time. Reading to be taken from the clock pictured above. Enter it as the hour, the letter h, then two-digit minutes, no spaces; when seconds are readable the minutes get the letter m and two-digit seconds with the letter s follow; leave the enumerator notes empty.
10h40
